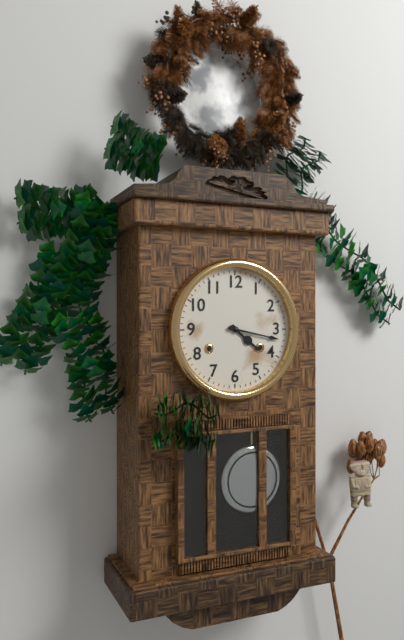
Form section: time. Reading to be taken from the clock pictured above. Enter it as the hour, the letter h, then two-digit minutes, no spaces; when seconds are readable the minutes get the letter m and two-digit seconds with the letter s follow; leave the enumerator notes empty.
4h17
